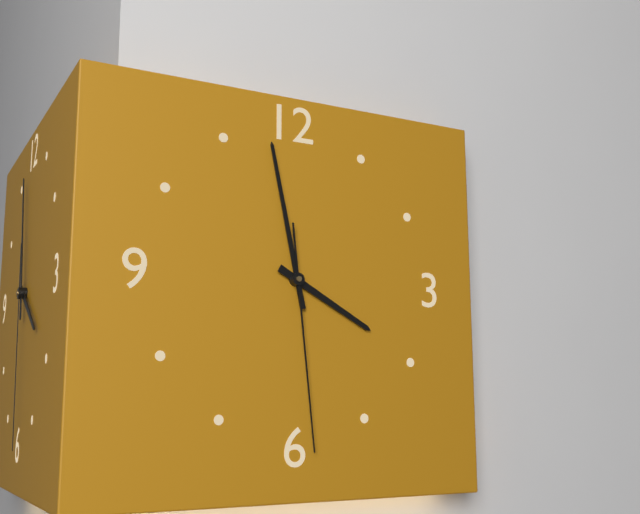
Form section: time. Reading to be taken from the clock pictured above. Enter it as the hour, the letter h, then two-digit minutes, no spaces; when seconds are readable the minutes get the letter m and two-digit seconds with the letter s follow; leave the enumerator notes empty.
3h58m29s
